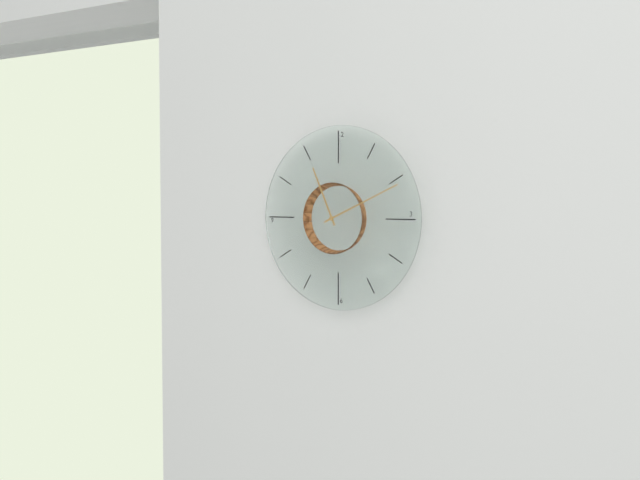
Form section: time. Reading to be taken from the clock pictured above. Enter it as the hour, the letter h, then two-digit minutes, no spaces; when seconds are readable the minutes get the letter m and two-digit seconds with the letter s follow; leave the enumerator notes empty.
11h11
